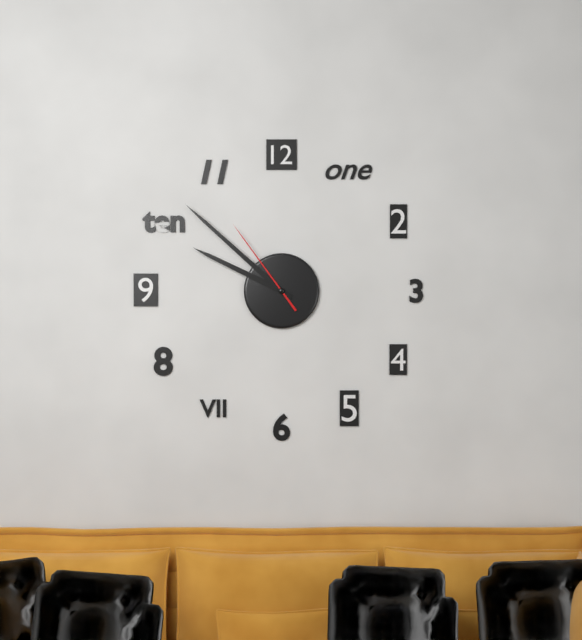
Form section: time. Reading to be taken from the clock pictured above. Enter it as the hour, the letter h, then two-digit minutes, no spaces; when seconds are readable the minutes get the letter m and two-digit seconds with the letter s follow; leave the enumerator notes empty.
9h52m54s
